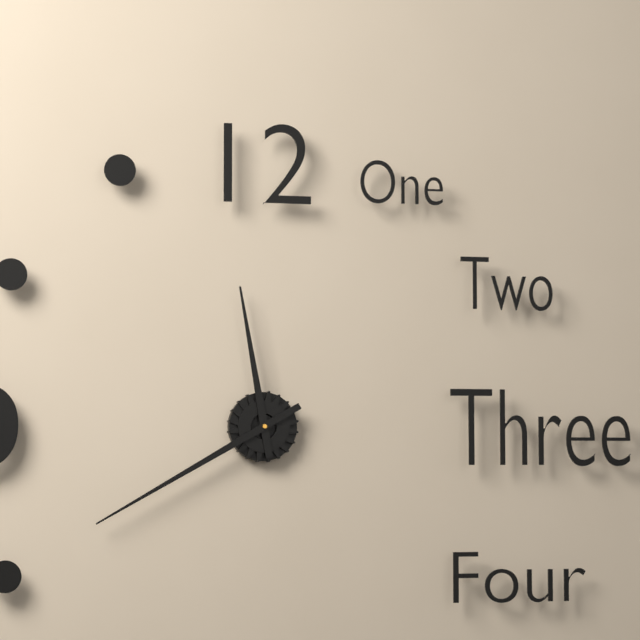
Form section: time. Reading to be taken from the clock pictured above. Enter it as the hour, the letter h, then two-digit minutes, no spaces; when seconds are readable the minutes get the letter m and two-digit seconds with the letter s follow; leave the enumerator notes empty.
11h40
